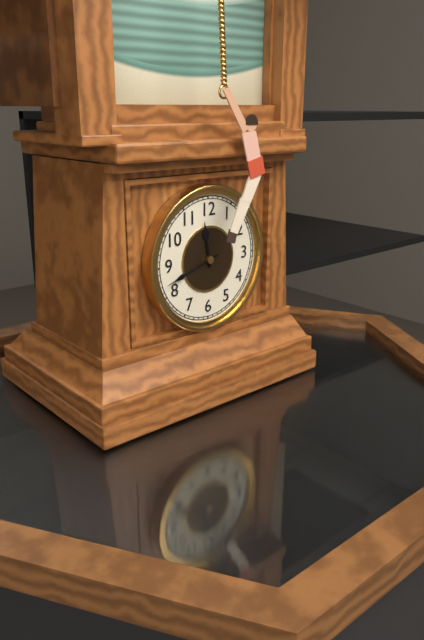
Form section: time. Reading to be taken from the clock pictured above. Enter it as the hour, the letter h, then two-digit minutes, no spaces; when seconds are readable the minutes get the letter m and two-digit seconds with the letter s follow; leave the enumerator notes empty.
11h42
